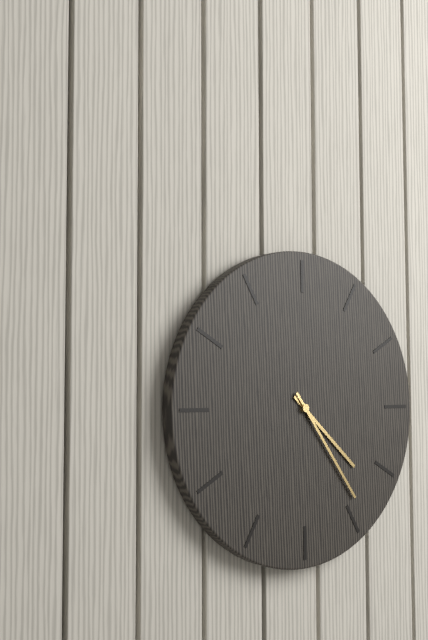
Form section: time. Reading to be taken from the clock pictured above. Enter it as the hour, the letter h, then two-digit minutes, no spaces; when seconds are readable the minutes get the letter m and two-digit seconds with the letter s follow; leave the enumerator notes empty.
4h24
